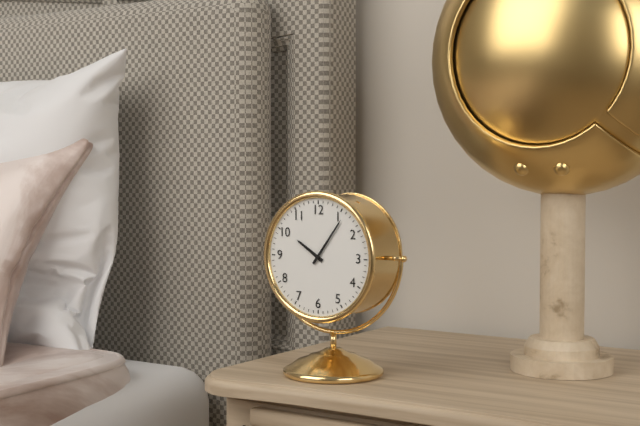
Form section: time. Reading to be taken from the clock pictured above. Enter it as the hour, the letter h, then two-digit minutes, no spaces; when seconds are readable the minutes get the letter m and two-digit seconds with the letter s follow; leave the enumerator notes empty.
10h06
